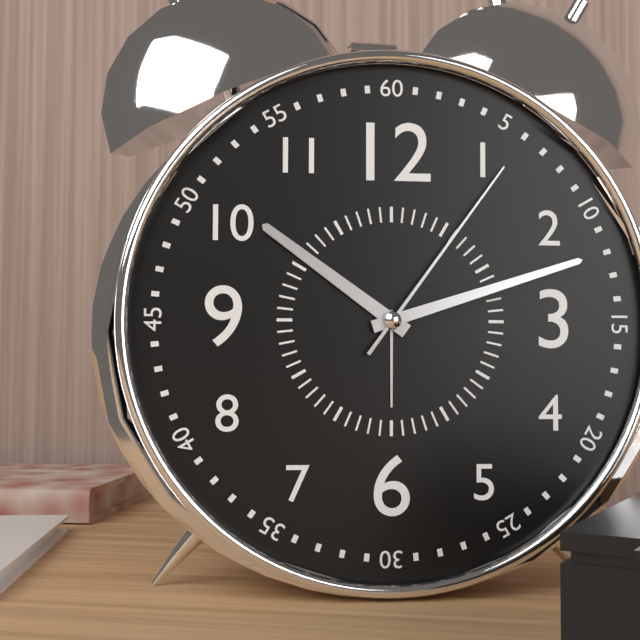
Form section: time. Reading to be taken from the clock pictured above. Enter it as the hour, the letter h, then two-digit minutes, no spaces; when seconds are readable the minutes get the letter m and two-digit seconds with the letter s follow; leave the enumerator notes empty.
10h12m06s
